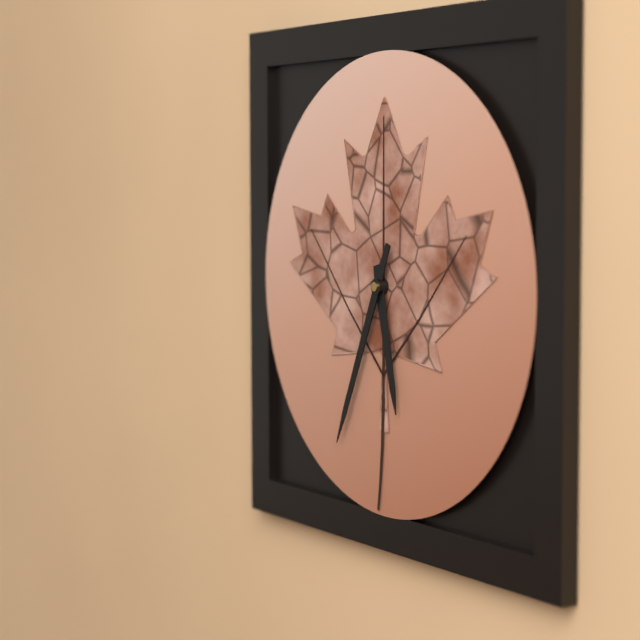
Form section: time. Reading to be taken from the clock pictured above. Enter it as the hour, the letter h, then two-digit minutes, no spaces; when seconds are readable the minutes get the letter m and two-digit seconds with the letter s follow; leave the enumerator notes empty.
5h34
